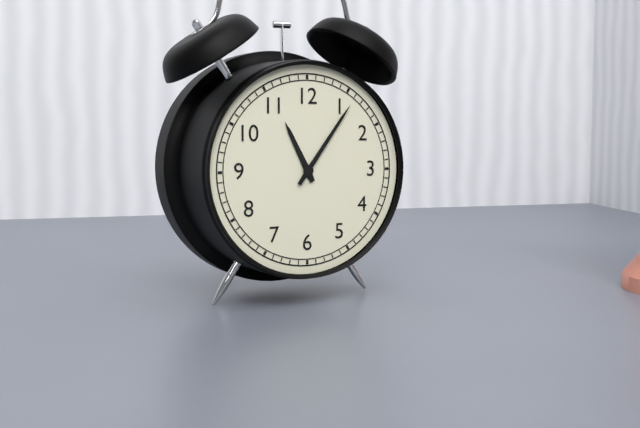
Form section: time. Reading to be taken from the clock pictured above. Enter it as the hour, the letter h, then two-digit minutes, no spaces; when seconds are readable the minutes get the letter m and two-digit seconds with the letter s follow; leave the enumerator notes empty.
11h06
